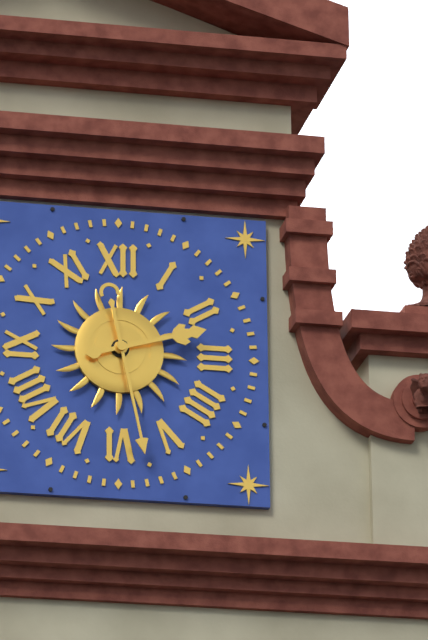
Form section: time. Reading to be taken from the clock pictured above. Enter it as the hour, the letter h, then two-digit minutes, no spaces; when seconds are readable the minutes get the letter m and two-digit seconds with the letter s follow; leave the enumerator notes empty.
2h28
